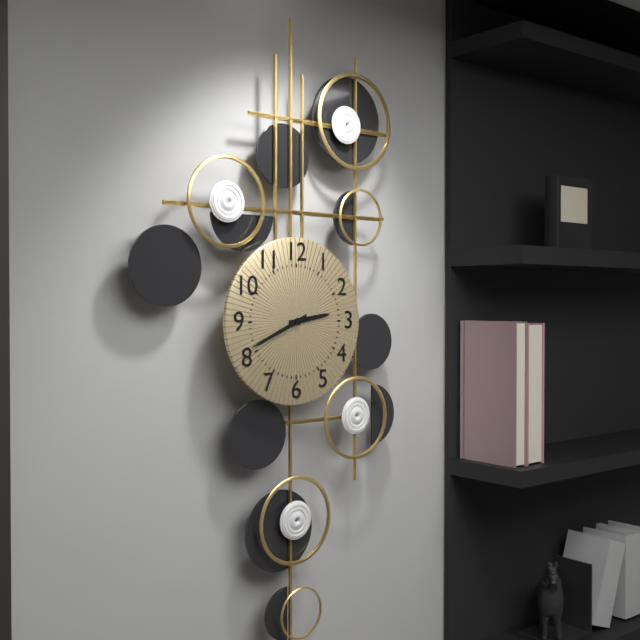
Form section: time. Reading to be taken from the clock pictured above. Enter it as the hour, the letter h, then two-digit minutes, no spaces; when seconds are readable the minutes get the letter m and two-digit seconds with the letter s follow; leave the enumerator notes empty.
2h41
